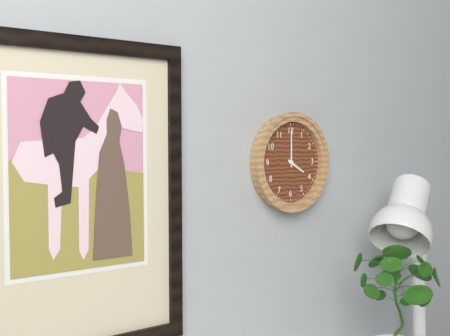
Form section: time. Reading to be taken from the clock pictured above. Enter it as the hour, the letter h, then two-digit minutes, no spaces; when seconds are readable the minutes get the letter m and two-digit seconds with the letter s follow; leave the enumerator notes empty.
4h00
